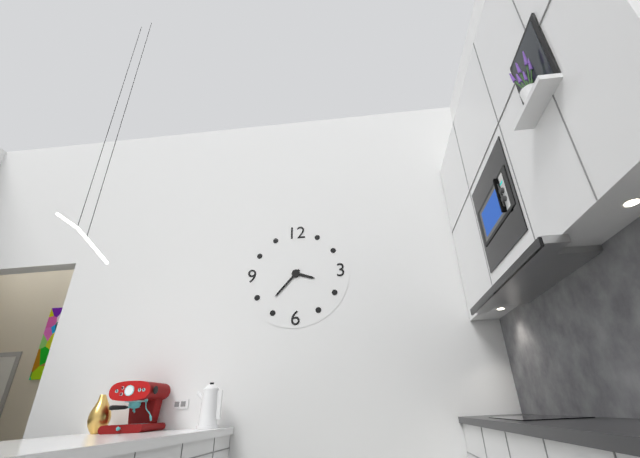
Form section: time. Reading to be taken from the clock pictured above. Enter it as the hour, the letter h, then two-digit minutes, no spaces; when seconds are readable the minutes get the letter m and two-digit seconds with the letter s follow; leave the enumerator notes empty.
3h37
